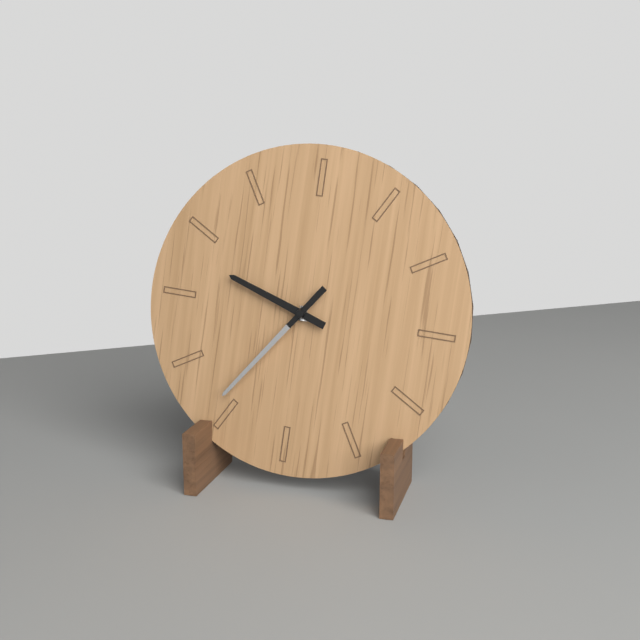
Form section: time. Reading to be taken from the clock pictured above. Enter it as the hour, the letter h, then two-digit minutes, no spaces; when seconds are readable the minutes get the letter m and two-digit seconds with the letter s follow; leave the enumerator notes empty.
9h36
